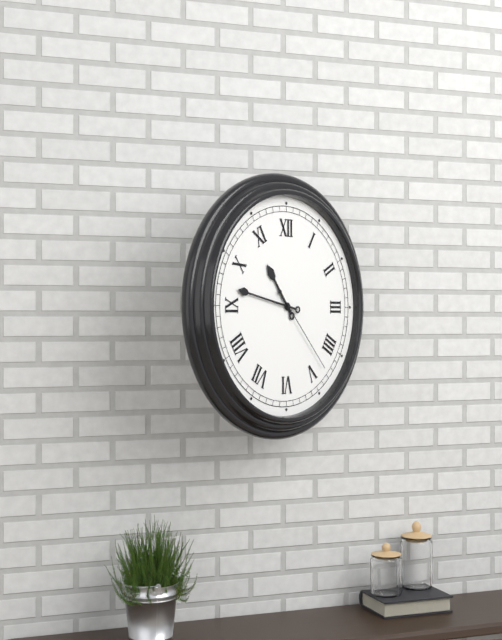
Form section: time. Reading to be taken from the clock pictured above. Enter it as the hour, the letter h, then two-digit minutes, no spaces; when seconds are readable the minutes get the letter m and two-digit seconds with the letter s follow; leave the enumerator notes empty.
10h47m23s
